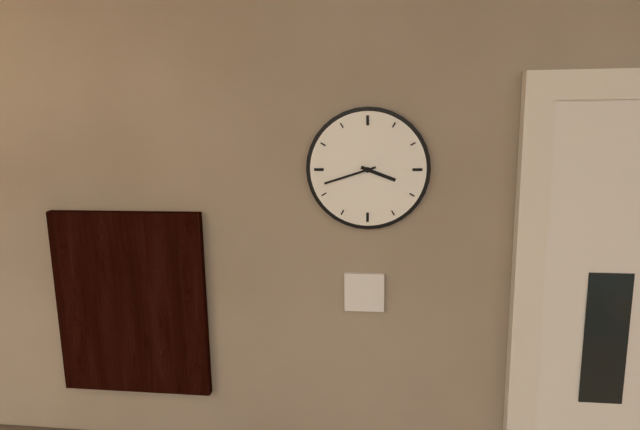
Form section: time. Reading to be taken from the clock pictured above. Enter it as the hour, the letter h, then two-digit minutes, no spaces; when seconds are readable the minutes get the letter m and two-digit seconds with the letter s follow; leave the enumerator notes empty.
3h42
